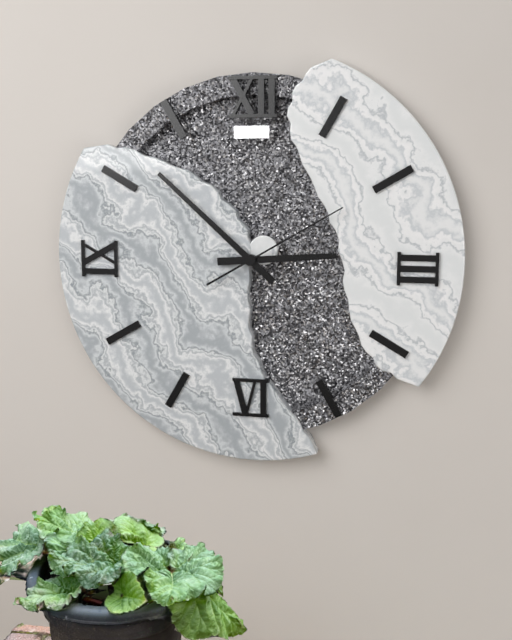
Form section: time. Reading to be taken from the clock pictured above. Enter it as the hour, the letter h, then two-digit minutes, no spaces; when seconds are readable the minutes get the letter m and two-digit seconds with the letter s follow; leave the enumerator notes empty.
2h52m10s
